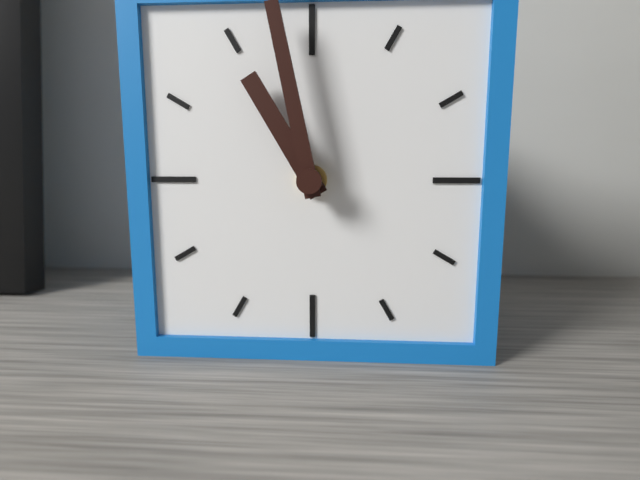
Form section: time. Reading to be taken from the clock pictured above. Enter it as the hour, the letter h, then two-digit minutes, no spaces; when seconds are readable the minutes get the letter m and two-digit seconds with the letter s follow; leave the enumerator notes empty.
10h58
